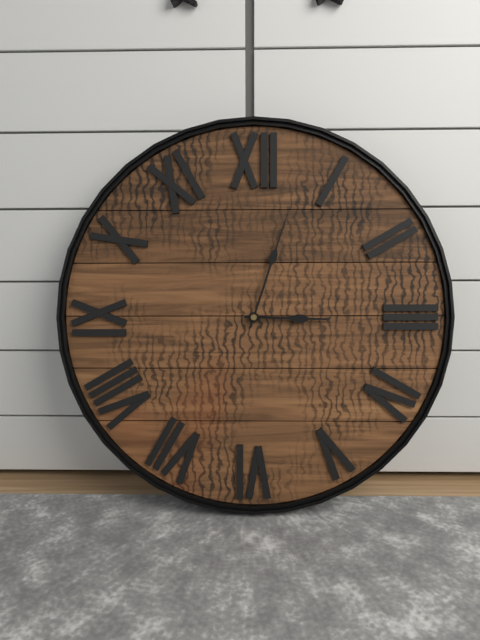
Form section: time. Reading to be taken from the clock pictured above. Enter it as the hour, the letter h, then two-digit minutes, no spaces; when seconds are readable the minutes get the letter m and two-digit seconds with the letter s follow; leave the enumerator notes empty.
3h03
